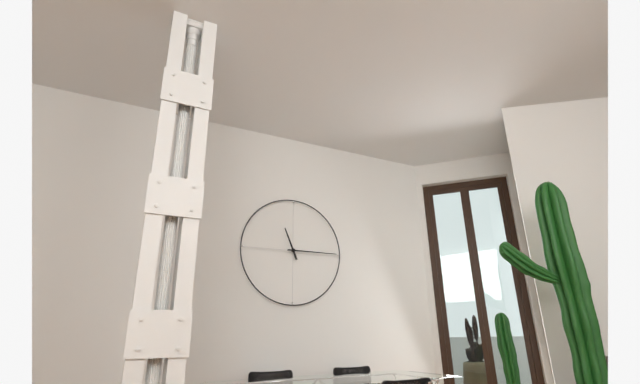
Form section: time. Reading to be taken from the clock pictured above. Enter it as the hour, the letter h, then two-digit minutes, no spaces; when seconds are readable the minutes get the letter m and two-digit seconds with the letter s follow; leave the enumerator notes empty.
11h15
